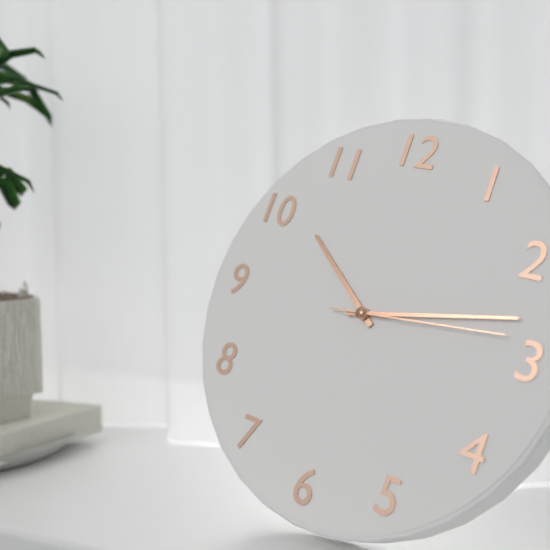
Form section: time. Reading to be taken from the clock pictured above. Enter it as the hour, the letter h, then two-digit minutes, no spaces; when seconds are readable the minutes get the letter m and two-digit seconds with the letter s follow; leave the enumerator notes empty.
10h13m14s
